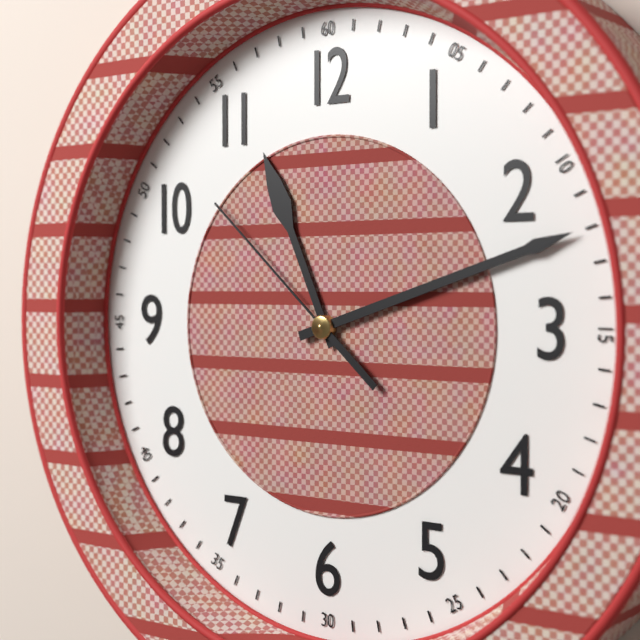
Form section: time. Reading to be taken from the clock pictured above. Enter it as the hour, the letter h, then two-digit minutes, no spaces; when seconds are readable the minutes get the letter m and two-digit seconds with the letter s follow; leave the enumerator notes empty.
11h12m52s
